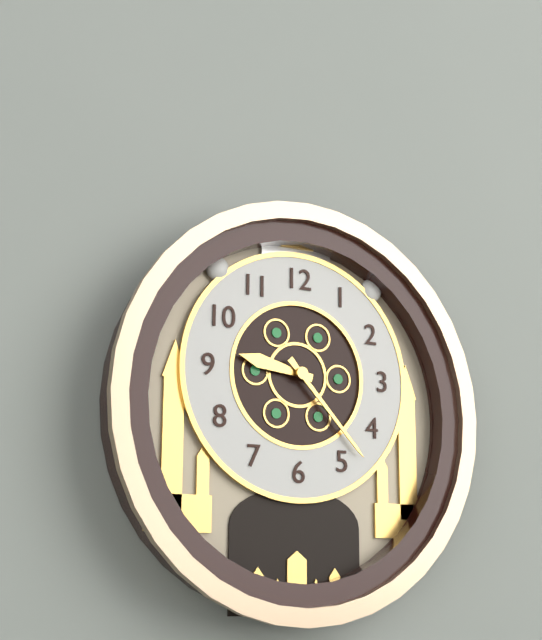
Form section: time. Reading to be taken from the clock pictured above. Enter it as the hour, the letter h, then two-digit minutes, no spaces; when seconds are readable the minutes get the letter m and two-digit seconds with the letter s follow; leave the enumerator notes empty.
9h23
